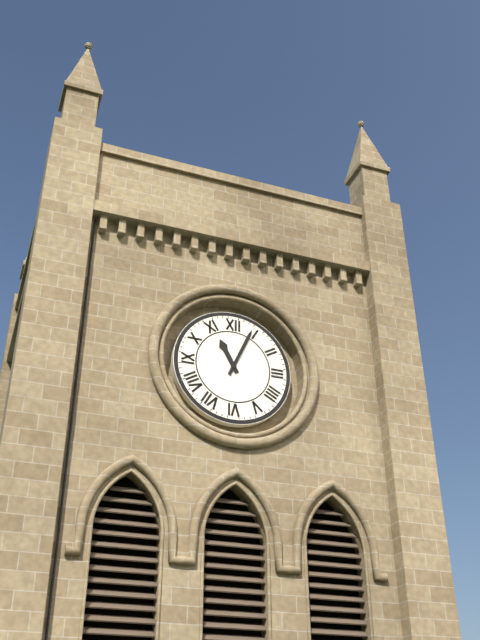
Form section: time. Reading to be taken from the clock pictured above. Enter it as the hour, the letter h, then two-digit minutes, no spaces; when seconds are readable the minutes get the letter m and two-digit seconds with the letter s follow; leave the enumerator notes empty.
11h04
